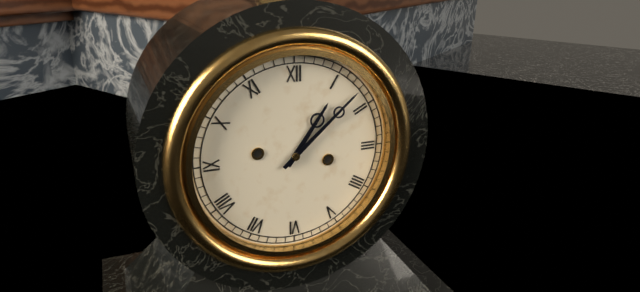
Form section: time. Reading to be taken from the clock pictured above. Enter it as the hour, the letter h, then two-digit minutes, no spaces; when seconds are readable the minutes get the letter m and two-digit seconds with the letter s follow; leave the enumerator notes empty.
1h08
